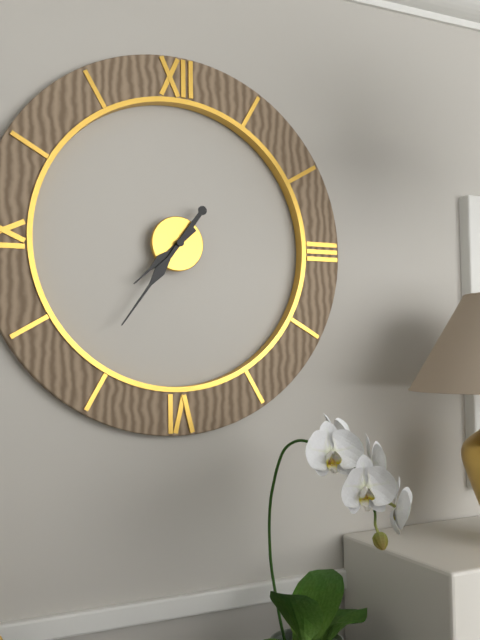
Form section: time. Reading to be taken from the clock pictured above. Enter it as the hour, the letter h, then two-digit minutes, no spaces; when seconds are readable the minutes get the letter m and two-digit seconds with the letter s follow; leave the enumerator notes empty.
7h36
